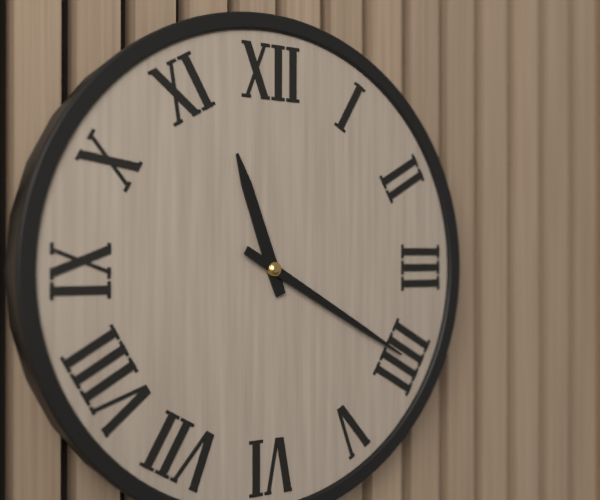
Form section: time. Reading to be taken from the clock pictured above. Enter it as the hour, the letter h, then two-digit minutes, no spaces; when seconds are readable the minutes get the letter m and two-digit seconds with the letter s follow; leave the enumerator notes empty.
11h20
